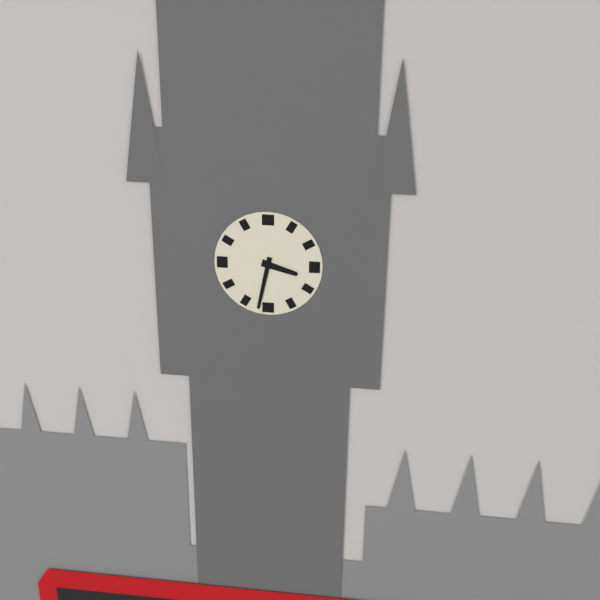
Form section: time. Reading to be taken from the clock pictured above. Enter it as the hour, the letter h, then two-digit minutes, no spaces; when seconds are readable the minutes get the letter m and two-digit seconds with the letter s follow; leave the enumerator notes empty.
3h32
